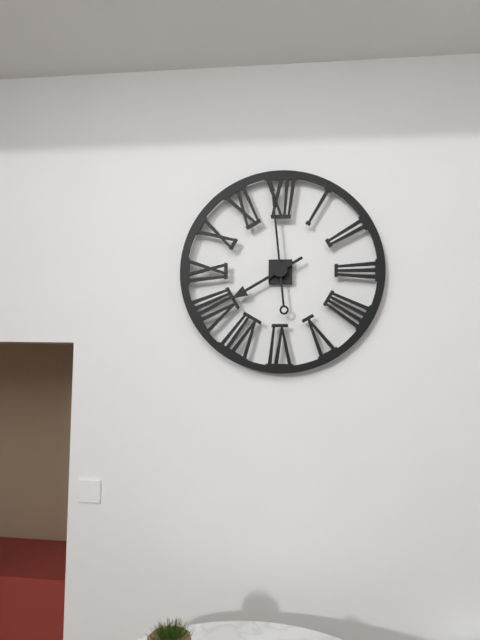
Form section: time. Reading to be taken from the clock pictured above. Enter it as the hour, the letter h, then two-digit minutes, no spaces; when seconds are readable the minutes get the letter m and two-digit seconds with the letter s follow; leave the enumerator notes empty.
7h59
